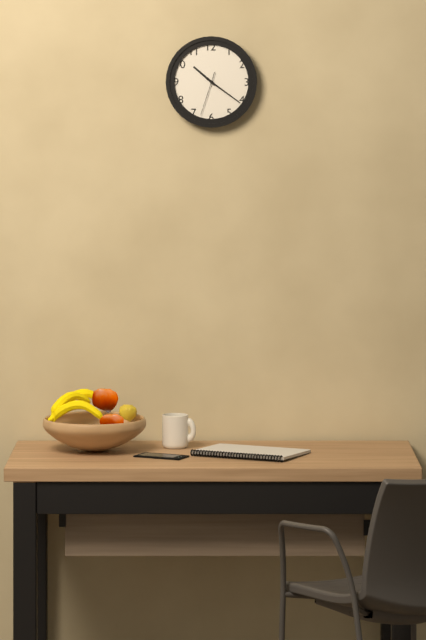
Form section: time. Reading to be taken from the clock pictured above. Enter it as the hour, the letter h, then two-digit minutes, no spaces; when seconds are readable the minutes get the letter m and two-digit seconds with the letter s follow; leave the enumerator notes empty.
10h21
